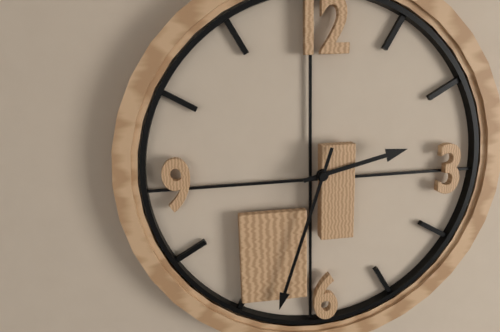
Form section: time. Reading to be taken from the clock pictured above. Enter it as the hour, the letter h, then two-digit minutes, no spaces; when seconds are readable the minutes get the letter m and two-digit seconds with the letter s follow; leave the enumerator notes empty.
2h33
